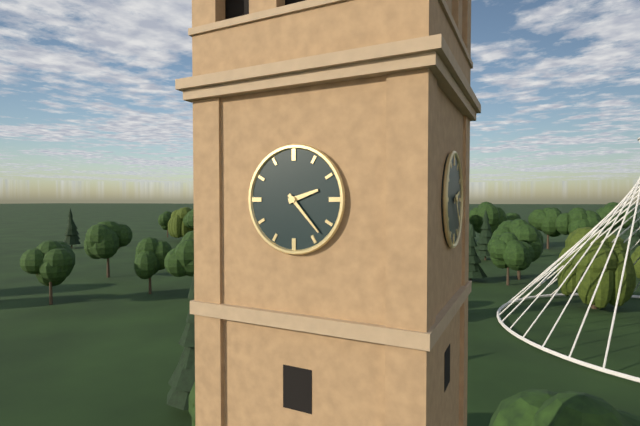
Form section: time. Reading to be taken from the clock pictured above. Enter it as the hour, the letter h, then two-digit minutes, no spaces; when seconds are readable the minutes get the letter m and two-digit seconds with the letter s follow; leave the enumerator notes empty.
2h23
